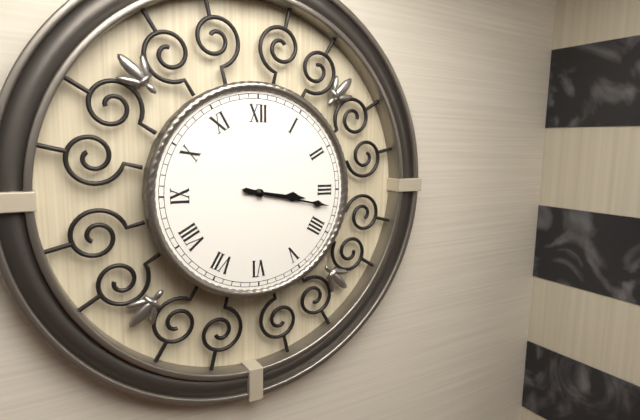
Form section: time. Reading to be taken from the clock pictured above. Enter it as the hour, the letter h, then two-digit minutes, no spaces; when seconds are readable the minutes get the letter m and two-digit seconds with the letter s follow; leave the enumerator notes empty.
3h17
